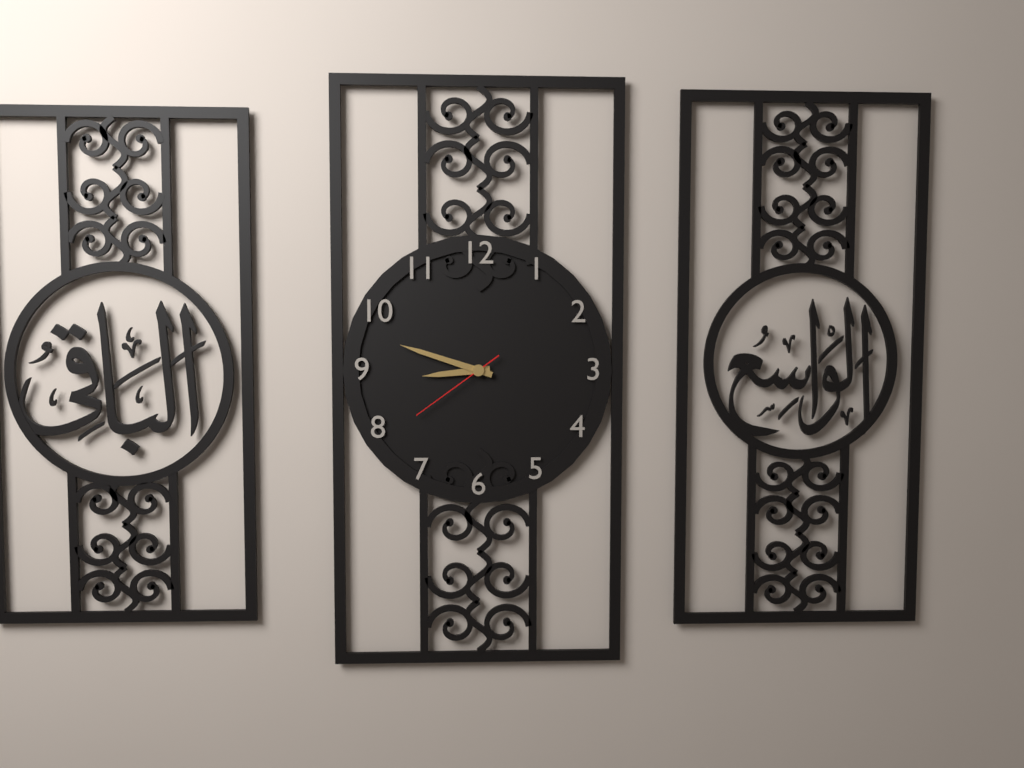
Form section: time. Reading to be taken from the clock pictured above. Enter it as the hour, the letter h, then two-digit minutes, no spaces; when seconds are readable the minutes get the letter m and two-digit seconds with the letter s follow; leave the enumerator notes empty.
8h48m39s
